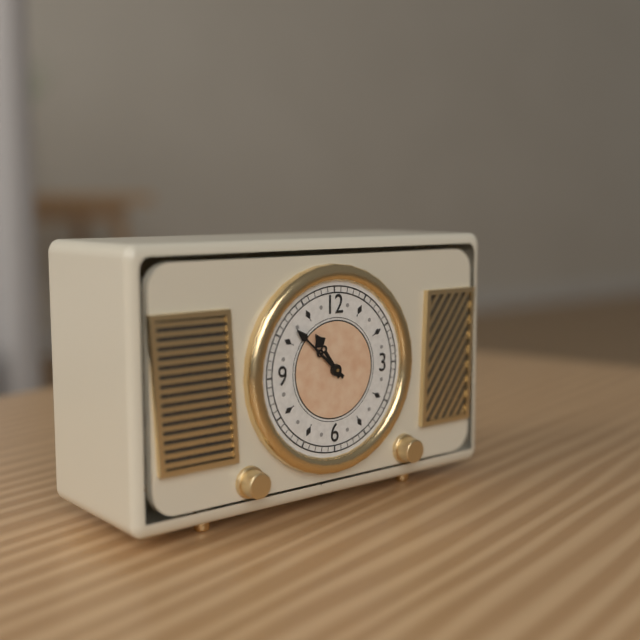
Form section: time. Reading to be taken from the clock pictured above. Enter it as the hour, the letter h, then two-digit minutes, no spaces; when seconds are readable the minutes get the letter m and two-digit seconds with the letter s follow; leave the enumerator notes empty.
10h52
